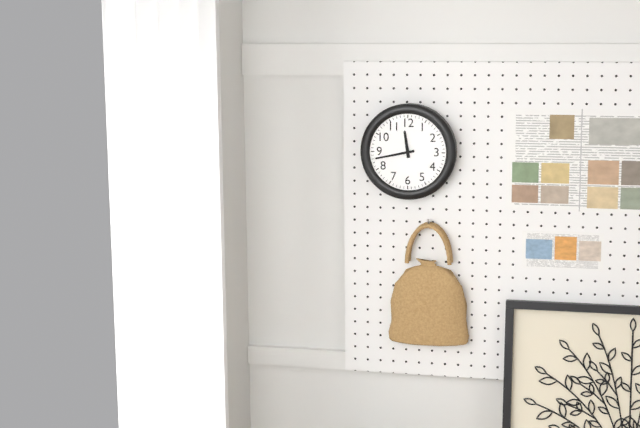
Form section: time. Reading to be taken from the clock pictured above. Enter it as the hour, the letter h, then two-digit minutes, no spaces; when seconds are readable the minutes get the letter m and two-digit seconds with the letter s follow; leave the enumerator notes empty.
11h43
